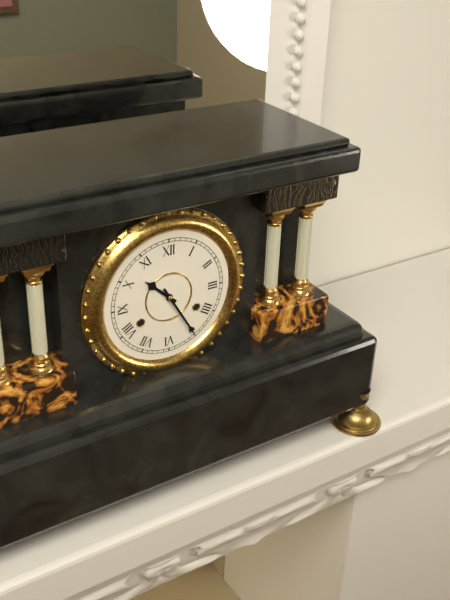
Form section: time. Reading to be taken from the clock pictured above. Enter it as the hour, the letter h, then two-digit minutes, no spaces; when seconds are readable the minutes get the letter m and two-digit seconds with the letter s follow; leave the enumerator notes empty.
10h25
